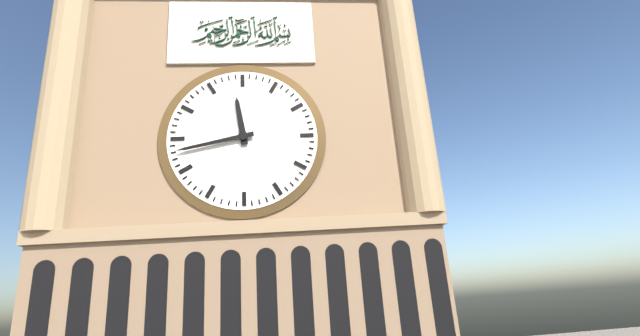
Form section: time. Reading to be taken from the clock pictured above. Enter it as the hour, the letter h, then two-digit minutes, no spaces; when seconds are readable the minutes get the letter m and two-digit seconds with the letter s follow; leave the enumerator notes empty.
11h43
